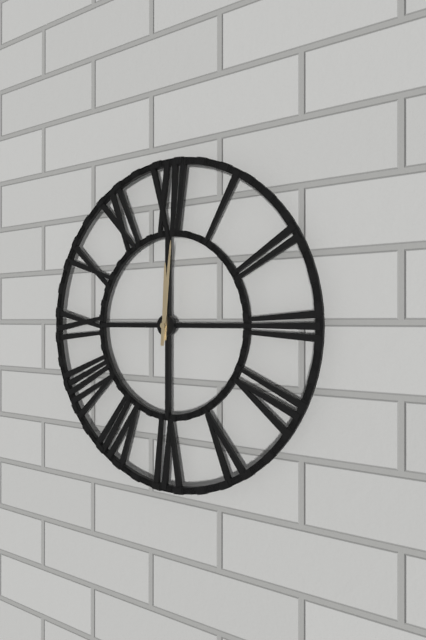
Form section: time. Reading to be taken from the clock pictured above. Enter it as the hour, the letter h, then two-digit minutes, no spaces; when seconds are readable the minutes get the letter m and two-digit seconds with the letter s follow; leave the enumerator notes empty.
12h01
